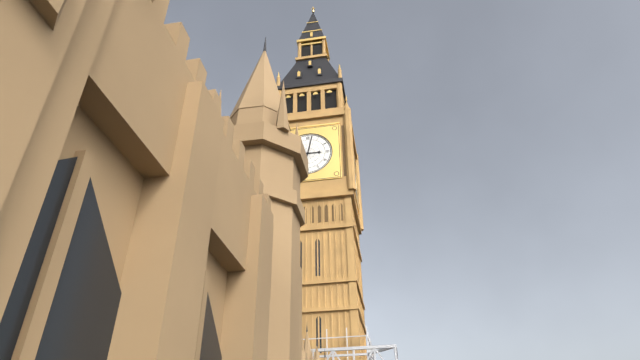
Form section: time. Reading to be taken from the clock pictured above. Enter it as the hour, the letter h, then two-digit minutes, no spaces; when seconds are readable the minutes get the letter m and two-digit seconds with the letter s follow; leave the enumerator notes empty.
3h02
